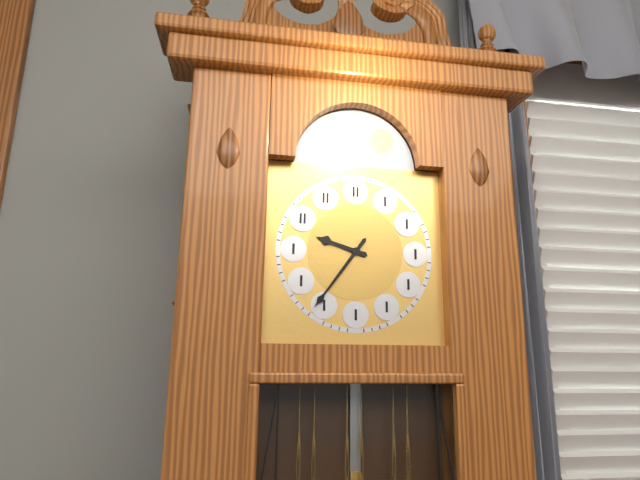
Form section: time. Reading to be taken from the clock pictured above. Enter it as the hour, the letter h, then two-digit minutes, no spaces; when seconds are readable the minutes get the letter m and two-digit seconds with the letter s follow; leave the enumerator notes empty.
9h36
